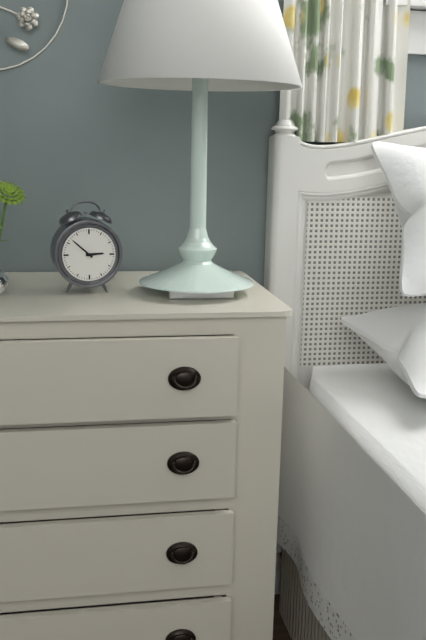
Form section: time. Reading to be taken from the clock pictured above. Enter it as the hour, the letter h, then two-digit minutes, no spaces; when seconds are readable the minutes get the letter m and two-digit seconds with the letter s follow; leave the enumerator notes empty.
2h52
